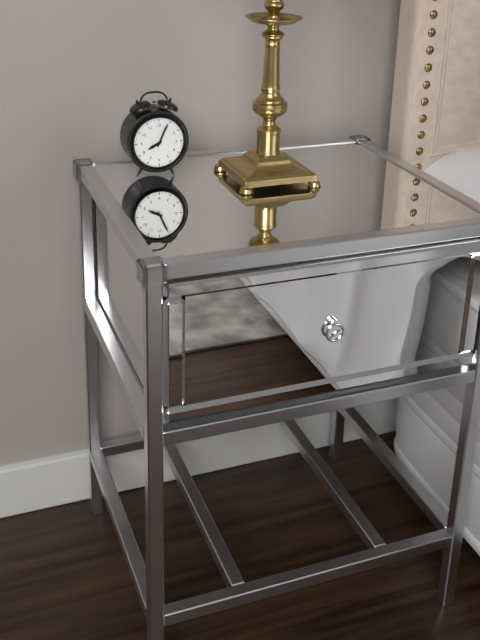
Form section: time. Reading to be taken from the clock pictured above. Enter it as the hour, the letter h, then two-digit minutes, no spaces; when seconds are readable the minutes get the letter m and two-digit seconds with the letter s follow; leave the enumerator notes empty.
8h04
